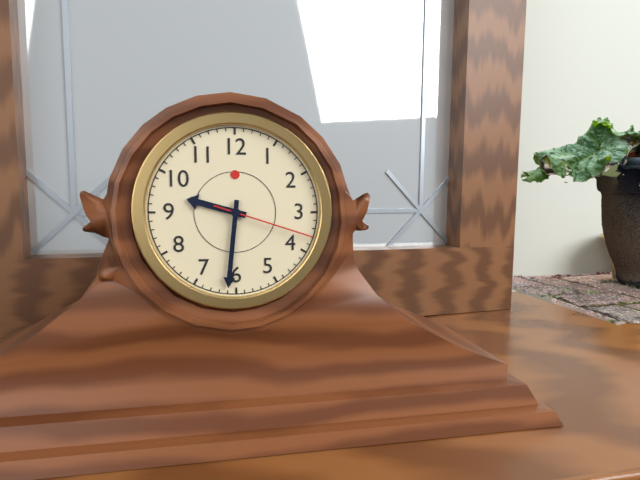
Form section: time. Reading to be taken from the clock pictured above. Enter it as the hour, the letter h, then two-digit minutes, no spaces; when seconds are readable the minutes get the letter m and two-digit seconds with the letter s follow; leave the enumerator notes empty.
9h31m18s
